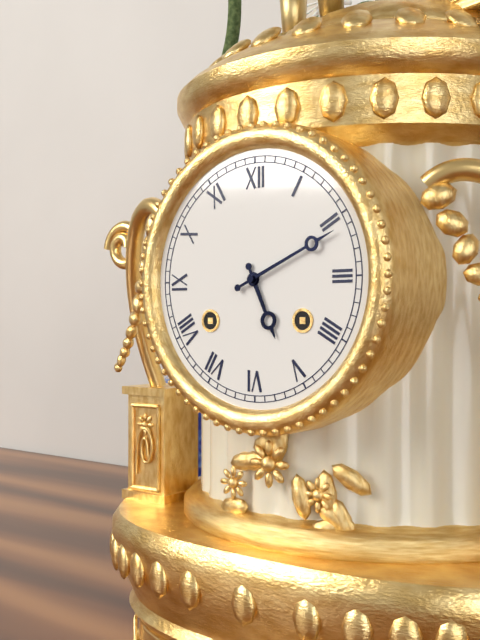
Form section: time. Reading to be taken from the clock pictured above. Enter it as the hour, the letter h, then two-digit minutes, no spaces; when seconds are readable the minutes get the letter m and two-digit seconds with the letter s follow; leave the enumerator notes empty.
5h11
